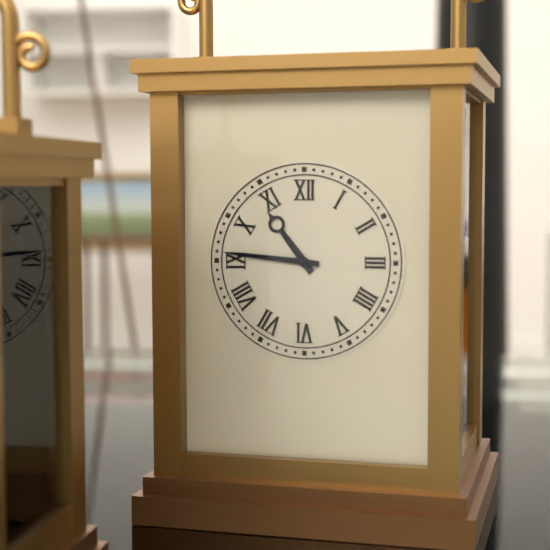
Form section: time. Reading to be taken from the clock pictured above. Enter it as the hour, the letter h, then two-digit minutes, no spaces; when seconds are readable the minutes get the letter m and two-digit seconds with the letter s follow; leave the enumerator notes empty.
10h46
